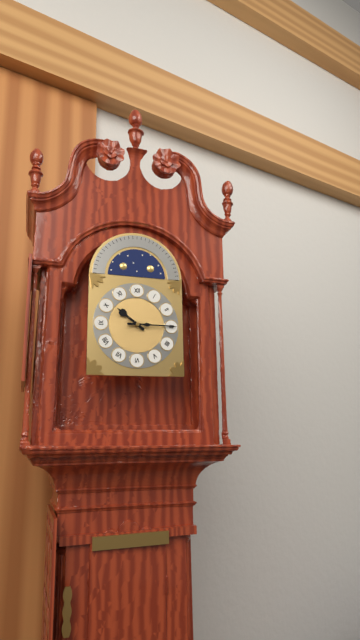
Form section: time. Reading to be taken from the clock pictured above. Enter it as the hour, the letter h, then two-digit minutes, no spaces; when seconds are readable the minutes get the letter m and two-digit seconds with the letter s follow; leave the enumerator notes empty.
10h15
